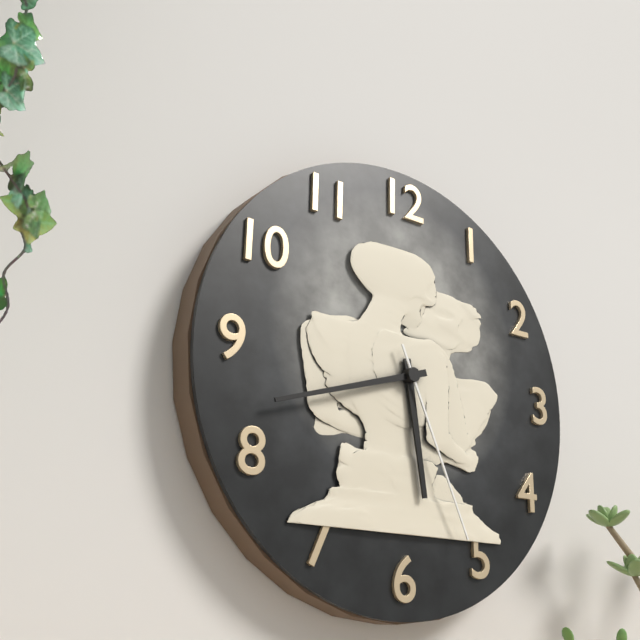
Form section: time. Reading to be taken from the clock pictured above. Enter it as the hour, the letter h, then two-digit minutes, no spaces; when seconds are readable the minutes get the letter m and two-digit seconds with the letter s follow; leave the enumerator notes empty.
5h42m26s
